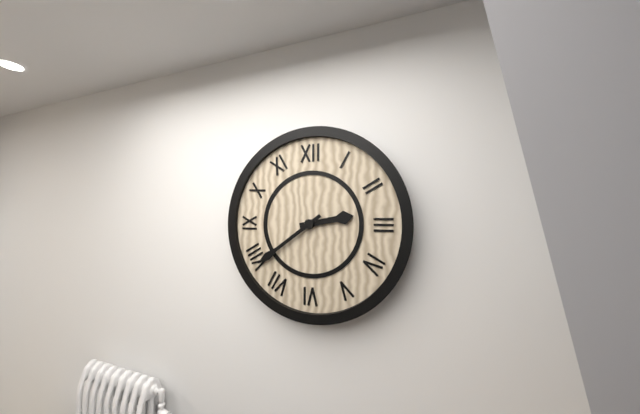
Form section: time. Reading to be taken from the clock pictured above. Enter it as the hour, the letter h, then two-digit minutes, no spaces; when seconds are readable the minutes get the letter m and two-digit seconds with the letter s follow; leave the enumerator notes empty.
2h39
